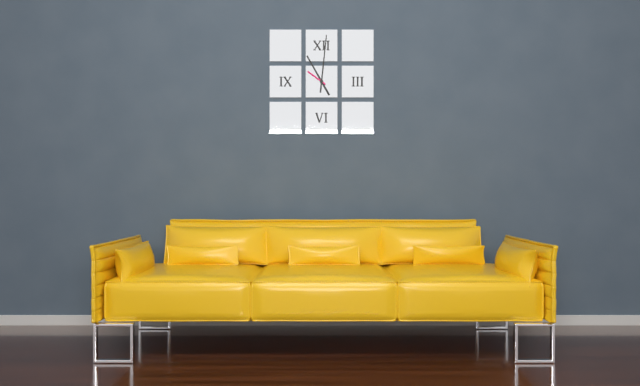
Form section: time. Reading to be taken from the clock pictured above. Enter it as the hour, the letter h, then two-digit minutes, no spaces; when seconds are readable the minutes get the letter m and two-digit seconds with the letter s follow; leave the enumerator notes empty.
11h01
